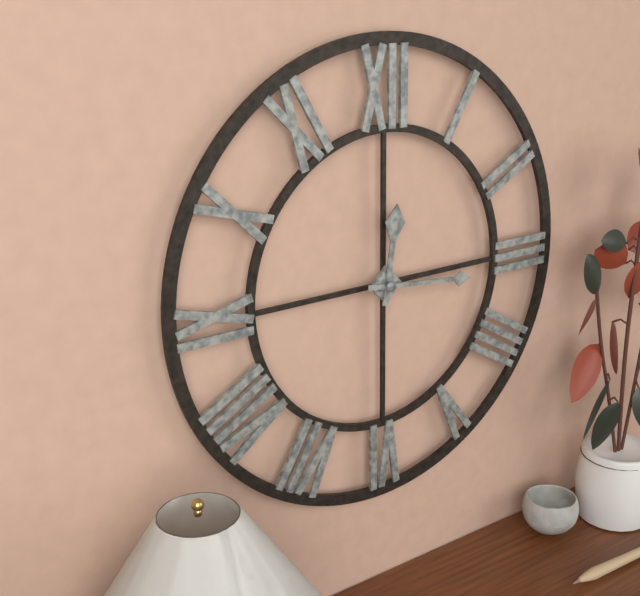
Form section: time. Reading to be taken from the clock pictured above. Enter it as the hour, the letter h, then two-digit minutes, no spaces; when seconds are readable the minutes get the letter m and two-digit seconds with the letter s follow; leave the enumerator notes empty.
12h16
